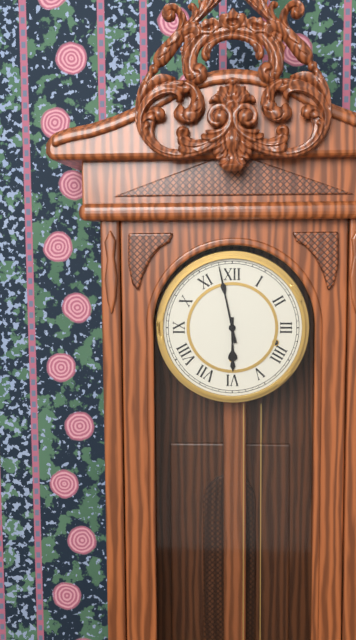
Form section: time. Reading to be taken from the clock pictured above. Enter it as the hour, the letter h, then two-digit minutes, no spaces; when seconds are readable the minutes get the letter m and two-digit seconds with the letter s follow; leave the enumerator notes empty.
5h58
